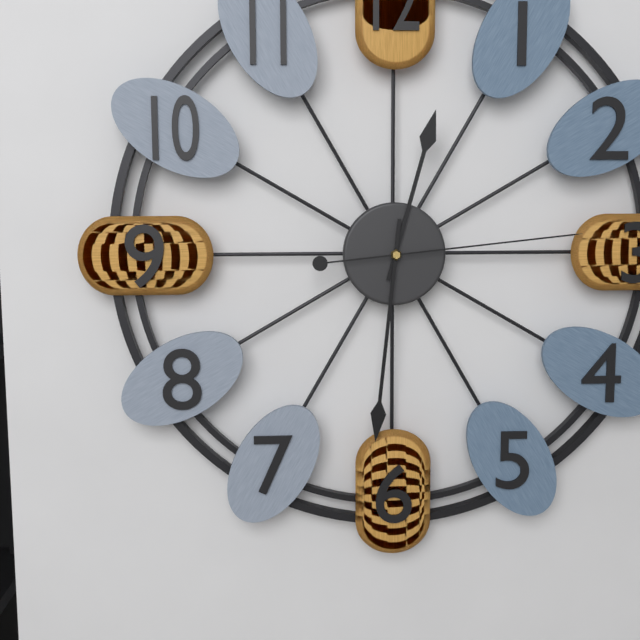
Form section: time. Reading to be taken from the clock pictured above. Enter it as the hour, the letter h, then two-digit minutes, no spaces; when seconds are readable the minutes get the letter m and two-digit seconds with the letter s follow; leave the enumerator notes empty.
12h31m14s
